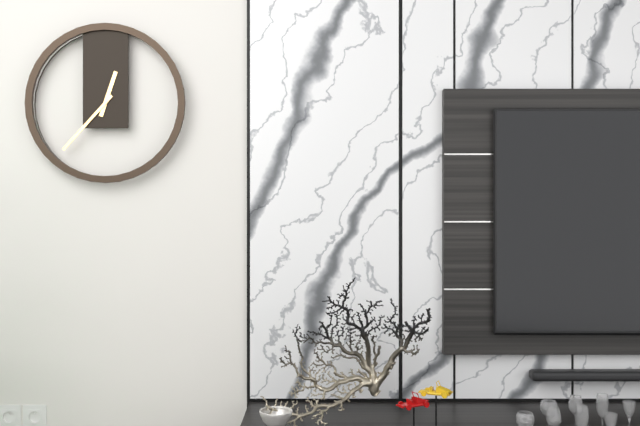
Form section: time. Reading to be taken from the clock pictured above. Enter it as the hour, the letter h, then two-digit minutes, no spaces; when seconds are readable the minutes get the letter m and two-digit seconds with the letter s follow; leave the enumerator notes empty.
12h37
